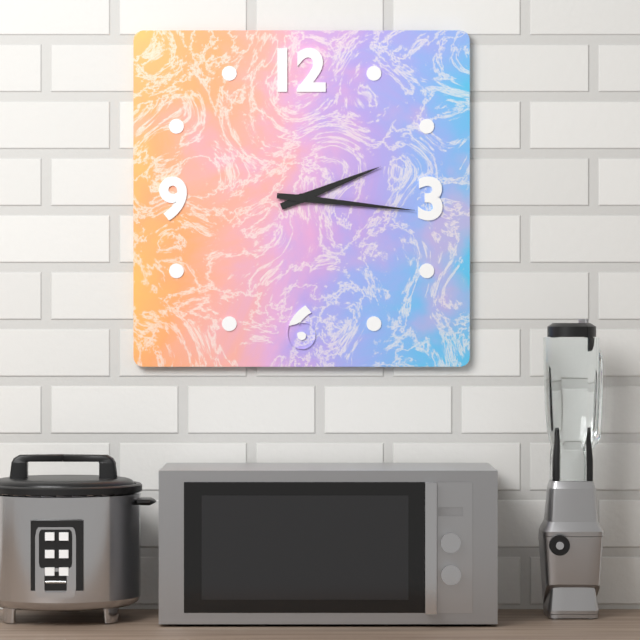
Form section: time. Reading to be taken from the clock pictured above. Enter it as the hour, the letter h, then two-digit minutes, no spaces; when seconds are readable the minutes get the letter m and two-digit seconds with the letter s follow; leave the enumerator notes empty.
2h16
